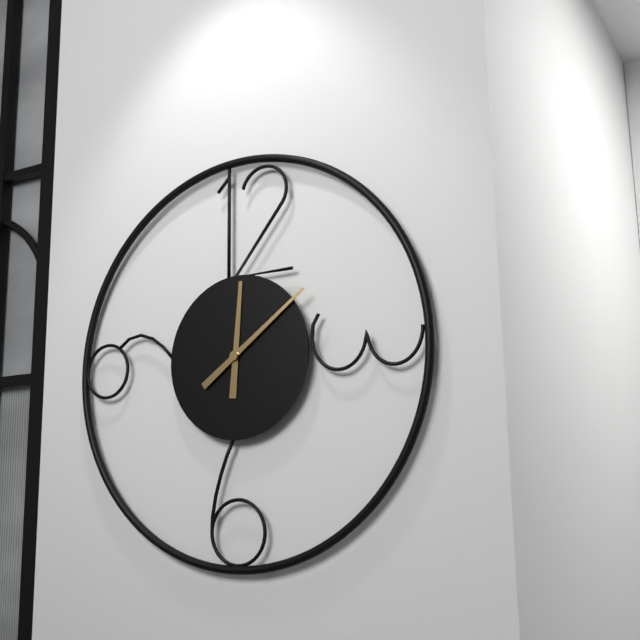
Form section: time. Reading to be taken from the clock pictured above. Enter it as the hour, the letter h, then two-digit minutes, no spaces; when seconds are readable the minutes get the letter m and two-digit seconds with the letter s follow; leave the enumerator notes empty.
12h09
